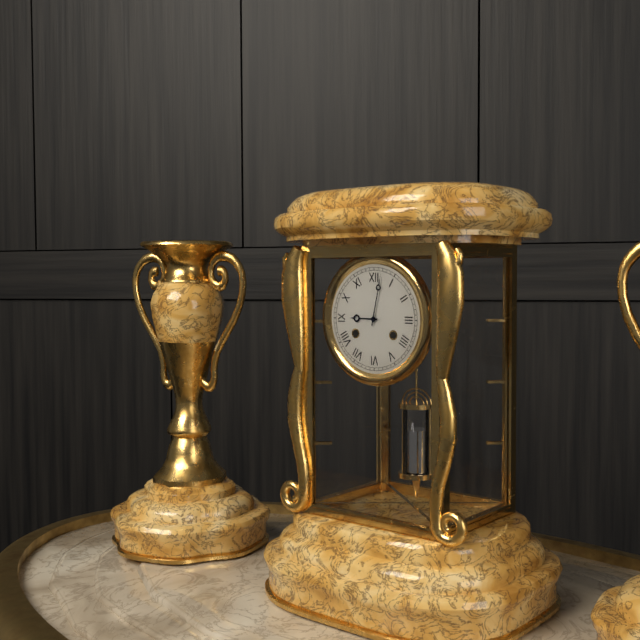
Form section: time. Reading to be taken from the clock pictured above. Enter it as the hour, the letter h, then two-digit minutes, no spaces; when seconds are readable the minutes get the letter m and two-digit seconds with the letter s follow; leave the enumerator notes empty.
9h02
